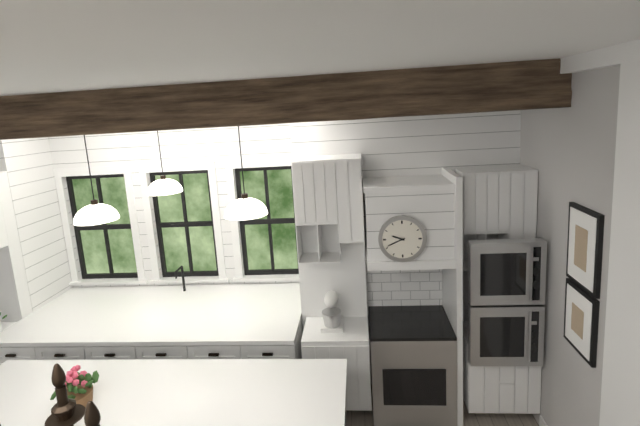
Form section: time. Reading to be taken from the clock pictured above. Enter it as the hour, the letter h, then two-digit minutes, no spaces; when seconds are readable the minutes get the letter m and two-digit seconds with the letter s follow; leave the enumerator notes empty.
9h41
